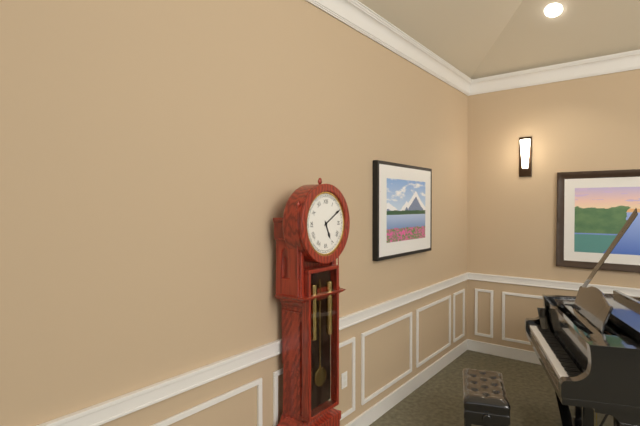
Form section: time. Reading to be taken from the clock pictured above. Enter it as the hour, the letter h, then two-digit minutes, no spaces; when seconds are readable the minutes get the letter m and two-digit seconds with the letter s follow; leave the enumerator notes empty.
5h10
